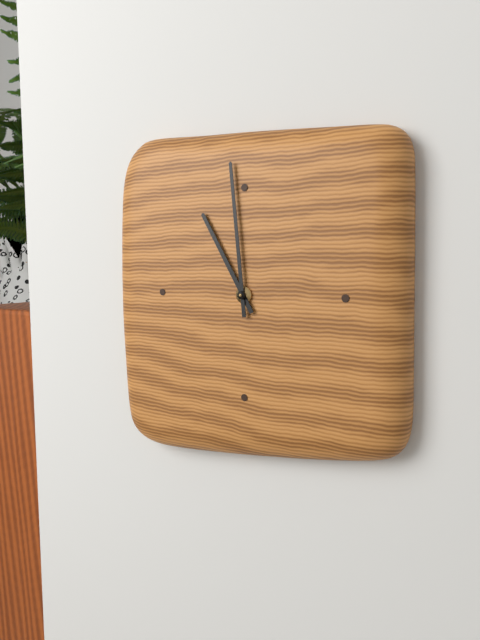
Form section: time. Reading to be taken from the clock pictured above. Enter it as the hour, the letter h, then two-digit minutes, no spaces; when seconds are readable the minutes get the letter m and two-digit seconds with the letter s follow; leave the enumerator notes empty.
10h59
